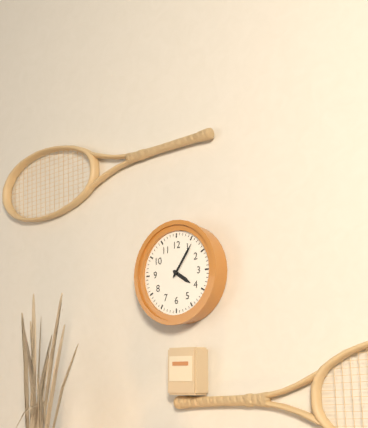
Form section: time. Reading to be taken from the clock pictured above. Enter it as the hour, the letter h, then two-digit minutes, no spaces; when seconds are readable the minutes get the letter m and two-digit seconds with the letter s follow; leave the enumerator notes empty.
4h06
